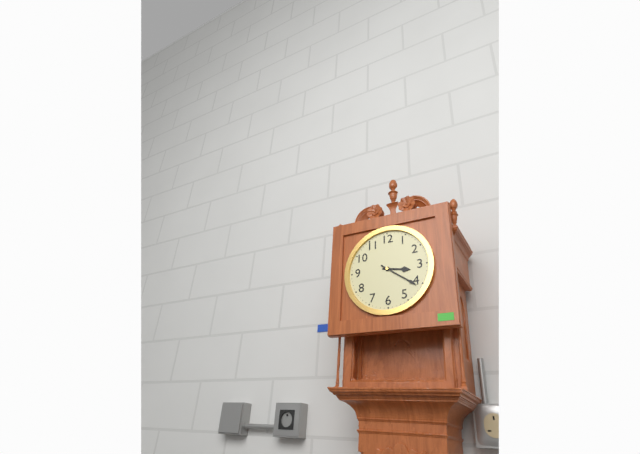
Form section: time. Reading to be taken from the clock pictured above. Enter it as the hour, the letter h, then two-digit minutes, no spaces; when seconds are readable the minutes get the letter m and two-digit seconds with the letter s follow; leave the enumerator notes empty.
3h21
